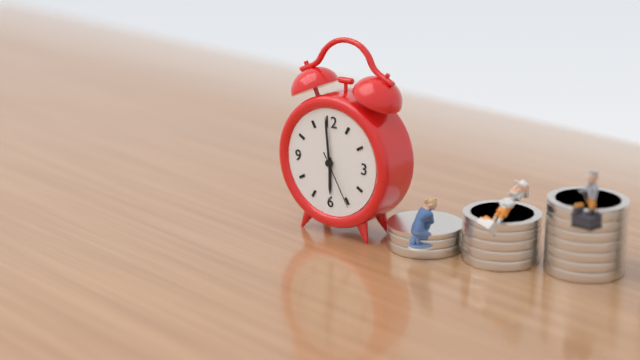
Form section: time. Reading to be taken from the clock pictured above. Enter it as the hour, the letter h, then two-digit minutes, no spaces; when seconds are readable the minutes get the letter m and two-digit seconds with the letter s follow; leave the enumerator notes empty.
5h59m25s
